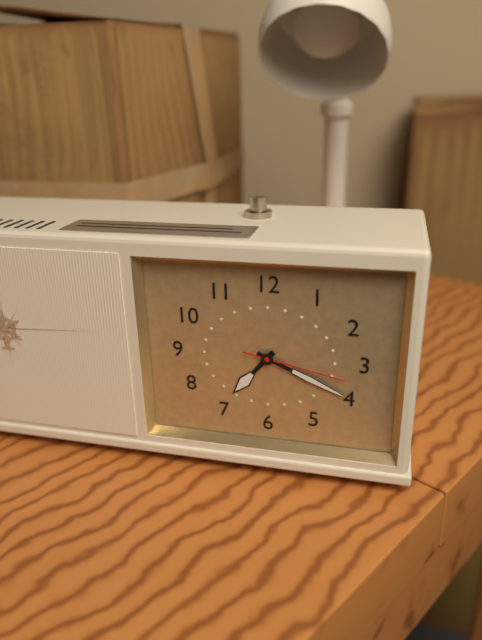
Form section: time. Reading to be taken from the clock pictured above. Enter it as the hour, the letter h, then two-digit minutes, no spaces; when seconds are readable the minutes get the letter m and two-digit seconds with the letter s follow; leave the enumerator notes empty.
7h19m17s
